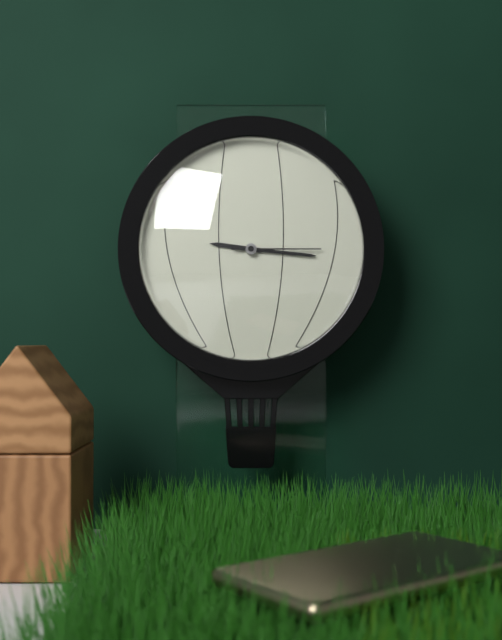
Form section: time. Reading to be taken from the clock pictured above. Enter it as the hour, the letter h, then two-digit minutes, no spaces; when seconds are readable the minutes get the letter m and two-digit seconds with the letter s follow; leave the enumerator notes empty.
9h16m15s
